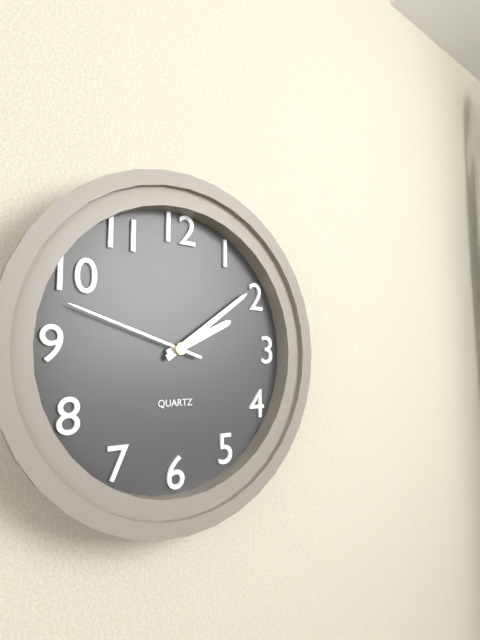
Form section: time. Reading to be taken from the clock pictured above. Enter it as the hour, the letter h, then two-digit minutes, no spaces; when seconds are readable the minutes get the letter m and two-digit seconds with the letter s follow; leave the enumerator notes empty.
2h09m48s
